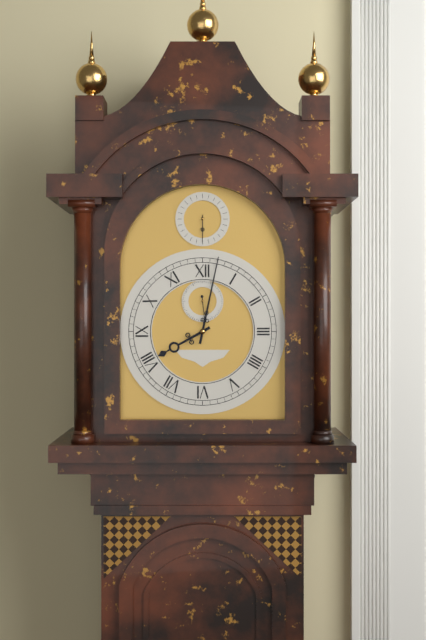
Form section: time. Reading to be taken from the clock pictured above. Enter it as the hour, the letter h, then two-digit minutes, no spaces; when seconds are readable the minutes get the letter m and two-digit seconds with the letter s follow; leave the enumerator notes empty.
8h02
